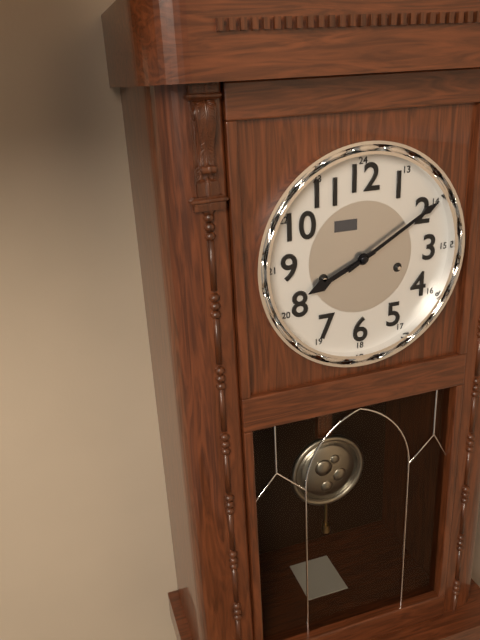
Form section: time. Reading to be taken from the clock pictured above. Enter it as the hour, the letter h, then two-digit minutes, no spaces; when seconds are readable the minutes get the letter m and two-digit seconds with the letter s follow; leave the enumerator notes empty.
8h10
